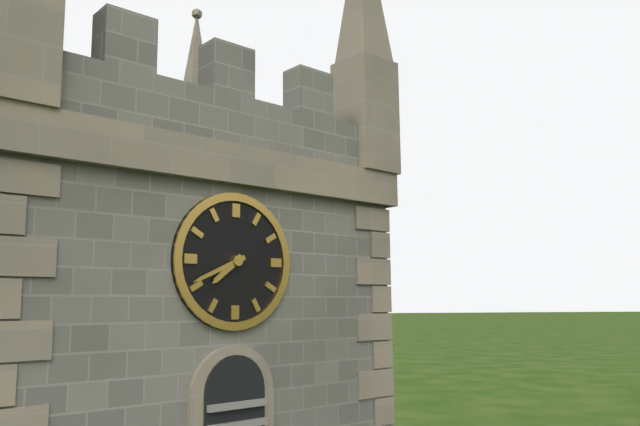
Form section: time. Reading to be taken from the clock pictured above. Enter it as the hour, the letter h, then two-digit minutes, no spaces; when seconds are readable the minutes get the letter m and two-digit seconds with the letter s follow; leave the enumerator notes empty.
7h41
